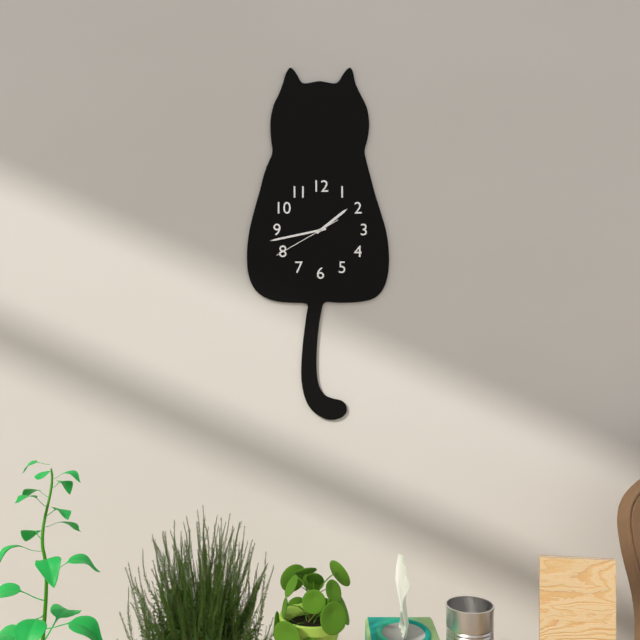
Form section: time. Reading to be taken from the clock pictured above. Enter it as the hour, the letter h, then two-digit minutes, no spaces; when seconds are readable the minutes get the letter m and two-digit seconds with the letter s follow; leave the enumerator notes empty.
1h43m40s
